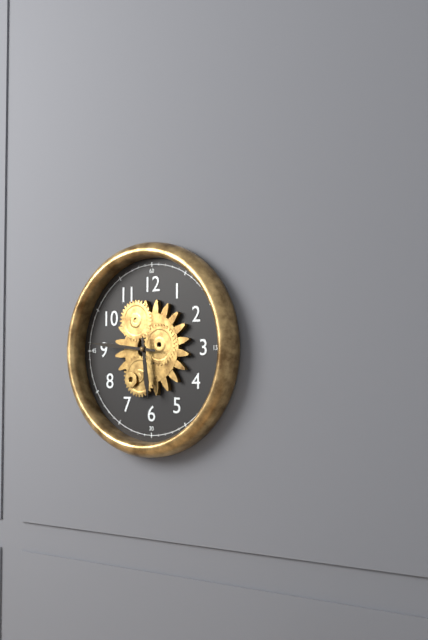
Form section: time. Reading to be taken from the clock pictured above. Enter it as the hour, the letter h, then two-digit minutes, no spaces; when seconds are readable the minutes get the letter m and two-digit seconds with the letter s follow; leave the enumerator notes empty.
5h46
